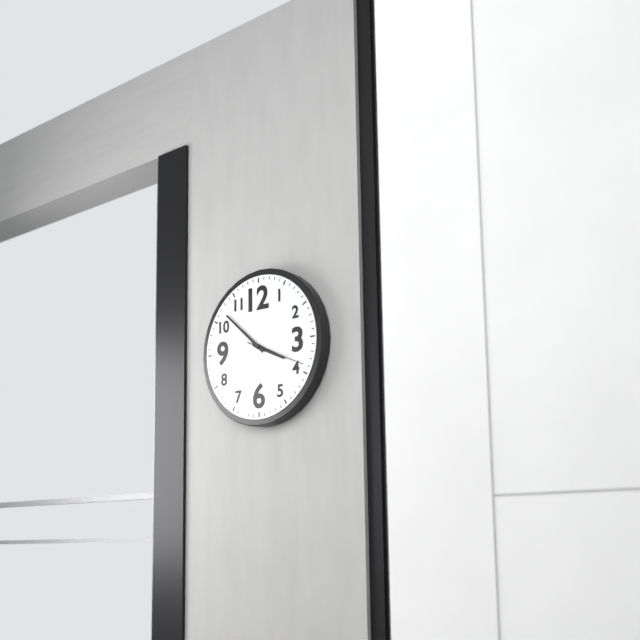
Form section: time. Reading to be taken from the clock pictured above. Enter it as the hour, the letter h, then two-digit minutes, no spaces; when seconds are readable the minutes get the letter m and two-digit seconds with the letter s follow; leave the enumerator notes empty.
3h52m19s
